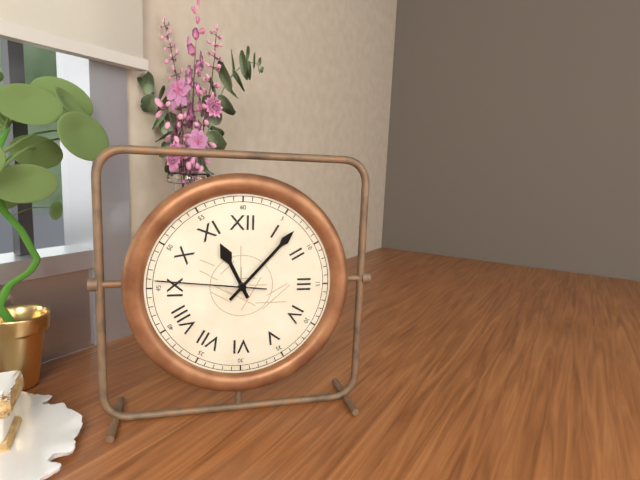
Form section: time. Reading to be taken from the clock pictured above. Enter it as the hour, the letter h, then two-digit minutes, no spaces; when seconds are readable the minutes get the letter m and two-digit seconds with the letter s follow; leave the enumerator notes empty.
11h07m46s
